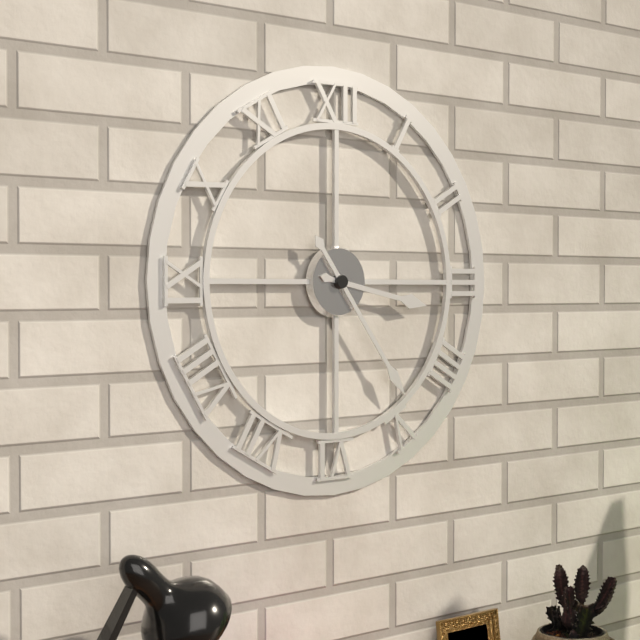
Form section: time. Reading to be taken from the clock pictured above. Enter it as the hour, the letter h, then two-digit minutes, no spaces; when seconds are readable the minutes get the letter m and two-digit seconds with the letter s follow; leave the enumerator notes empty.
3h24
